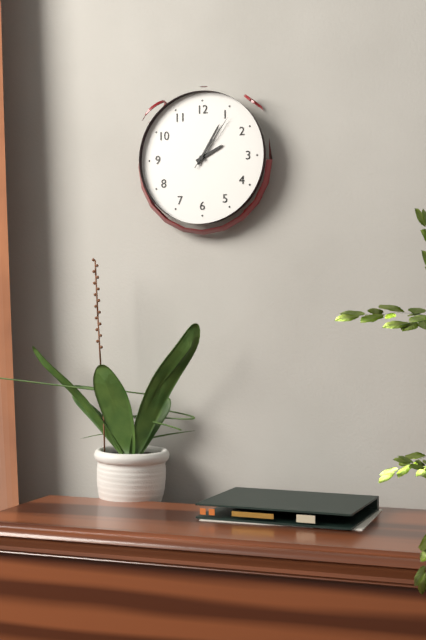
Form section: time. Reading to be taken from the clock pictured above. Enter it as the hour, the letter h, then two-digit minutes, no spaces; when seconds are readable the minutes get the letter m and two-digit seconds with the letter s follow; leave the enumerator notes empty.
2h05m06s
